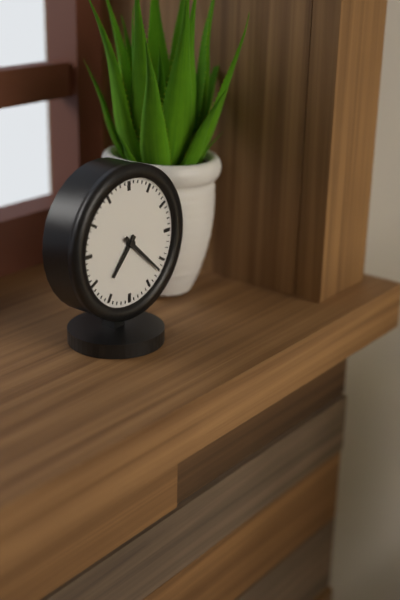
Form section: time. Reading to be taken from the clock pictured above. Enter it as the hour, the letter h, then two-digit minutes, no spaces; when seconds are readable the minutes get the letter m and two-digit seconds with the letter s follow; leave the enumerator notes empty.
7h22
